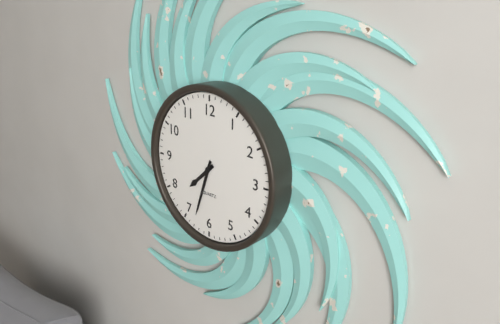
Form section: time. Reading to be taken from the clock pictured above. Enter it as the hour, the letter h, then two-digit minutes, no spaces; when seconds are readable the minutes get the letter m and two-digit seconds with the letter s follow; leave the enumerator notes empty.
7h33
